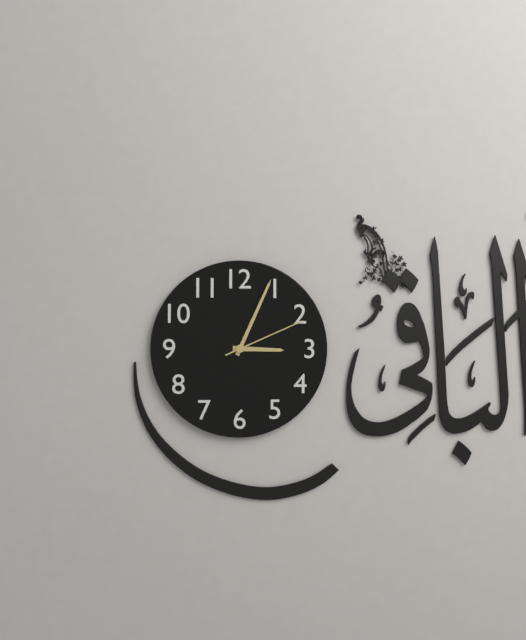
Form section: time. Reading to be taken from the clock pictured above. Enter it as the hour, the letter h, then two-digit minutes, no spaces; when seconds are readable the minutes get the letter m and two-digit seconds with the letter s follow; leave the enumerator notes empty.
3h04m11s
